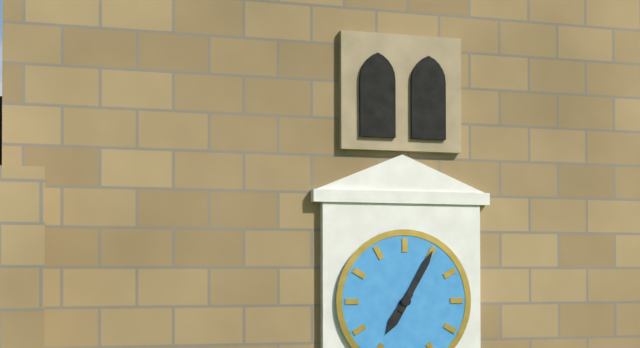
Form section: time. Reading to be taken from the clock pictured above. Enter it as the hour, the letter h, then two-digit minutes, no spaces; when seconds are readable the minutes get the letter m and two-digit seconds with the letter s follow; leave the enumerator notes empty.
7h05
